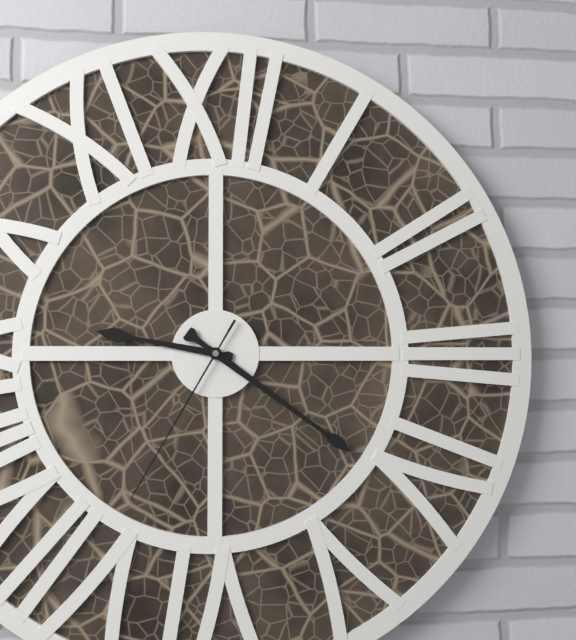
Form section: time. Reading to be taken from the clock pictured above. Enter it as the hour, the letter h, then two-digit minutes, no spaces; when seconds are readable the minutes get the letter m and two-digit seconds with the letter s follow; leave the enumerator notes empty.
9h21m35s
